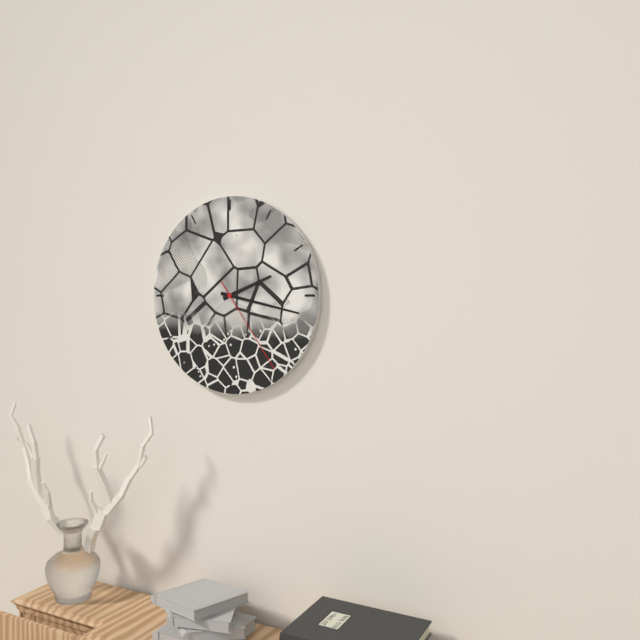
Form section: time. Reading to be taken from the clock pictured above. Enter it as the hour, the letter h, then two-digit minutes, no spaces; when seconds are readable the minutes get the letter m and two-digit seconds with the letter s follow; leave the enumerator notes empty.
2h17m24s
